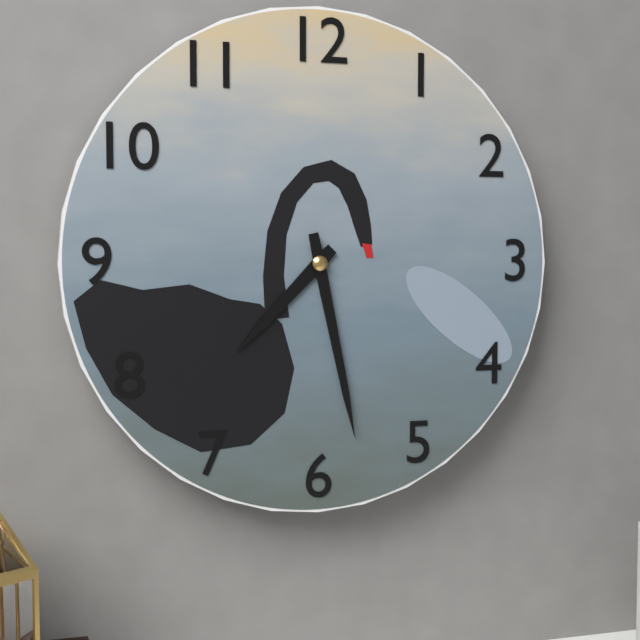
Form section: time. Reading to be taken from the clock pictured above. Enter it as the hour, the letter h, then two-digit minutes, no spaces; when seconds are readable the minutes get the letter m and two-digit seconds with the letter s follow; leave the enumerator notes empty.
7h28
